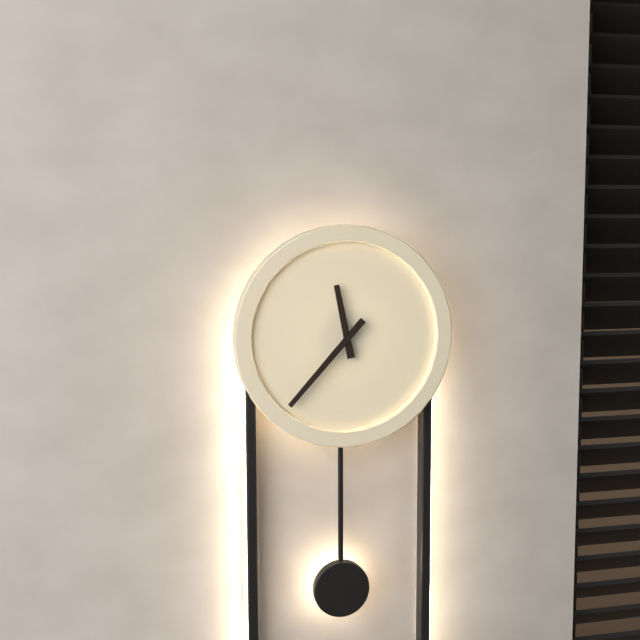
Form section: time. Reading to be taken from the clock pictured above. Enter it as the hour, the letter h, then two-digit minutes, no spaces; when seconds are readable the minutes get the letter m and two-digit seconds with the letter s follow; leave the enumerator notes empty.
11h37
